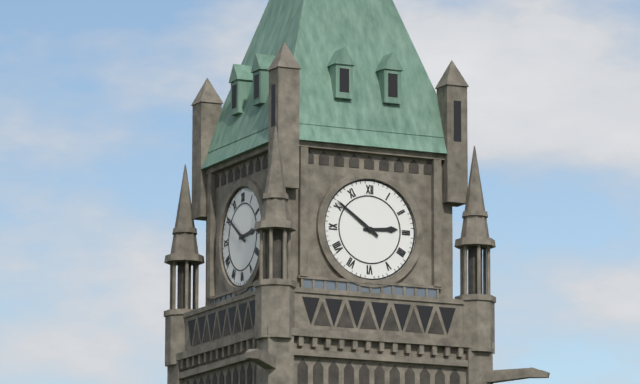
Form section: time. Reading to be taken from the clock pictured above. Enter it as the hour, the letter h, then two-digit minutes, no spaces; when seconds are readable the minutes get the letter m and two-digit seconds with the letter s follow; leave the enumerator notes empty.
2h51
